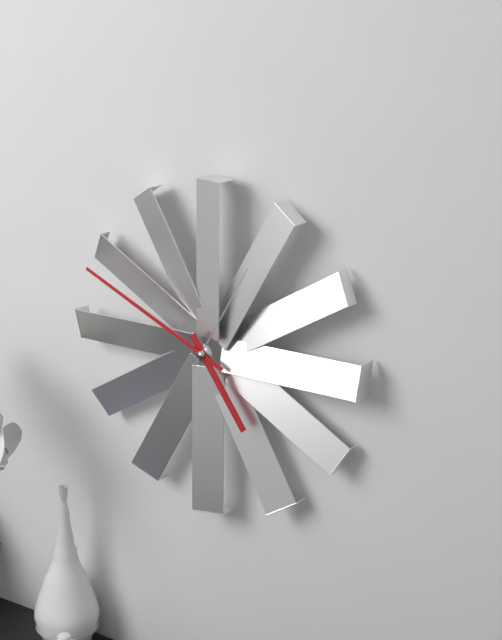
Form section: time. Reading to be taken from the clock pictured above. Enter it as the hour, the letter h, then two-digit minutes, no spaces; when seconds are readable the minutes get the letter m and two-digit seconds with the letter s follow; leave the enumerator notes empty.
4h49m05s
